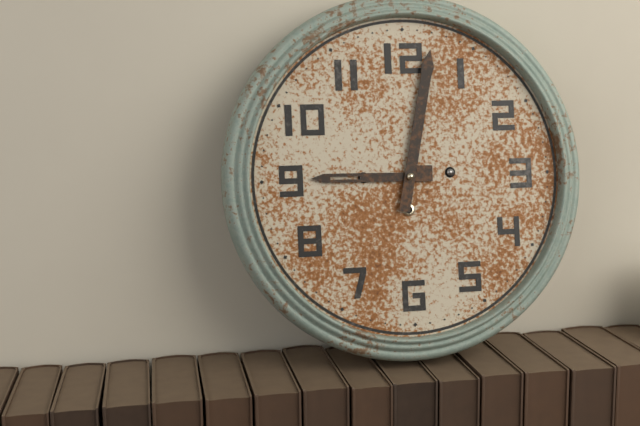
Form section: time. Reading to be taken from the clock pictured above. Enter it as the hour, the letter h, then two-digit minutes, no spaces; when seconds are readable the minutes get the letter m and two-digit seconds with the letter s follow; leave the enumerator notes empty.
9h02
